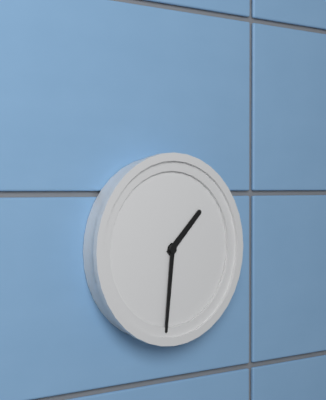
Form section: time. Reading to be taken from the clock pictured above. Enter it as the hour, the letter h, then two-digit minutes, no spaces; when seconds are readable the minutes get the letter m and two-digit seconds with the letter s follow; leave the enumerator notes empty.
1h31
